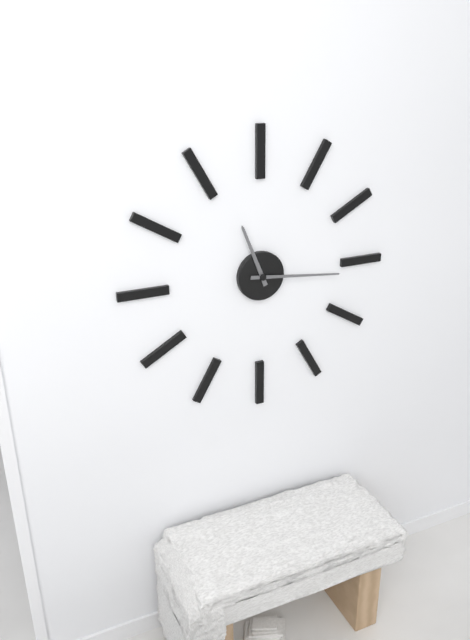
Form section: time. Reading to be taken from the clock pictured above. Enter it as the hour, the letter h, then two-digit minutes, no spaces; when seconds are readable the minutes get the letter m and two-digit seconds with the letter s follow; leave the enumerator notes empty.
11h16
